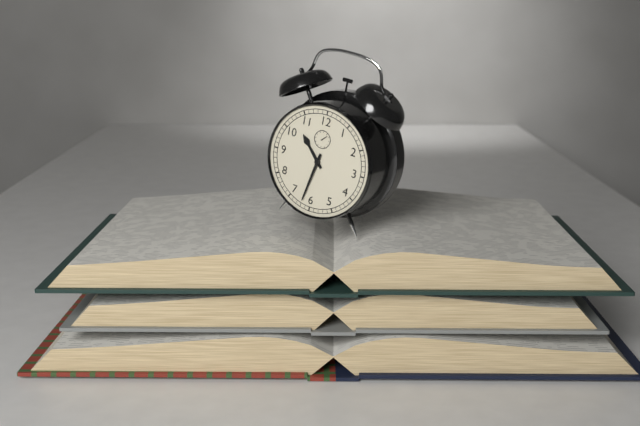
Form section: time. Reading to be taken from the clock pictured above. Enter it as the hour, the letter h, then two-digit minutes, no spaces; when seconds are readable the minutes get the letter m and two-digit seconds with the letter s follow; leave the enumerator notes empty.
10h32
